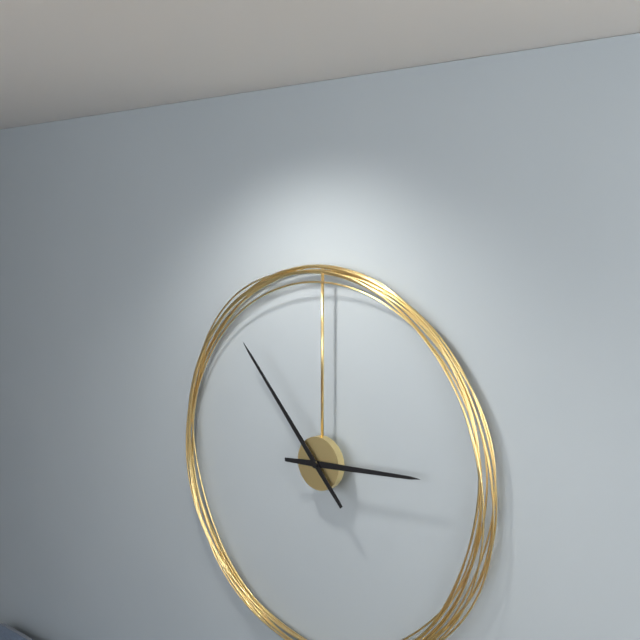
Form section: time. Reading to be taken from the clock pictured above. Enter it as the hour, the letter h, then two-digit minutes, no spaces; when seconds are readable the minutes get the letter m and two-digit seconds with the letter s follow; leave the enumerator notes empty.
2h53
